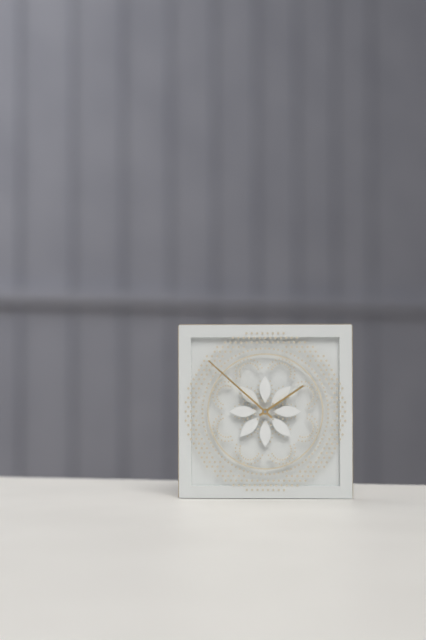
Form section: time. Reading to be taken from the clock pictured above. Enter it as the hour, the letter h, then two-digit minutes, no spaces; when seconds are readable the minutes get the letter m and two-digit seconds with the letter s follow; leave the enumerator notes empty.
1h52
